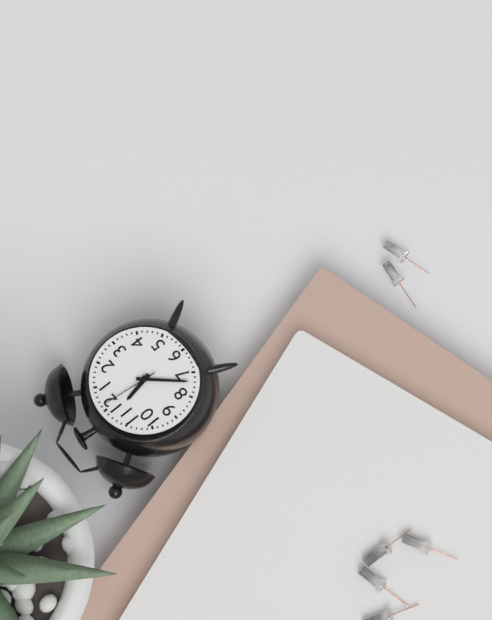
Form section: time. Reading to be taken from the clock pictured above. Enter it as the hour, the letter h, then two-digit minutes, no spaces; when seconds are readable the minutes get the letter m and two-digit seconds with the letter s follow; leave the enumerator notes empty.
11h37m01s
